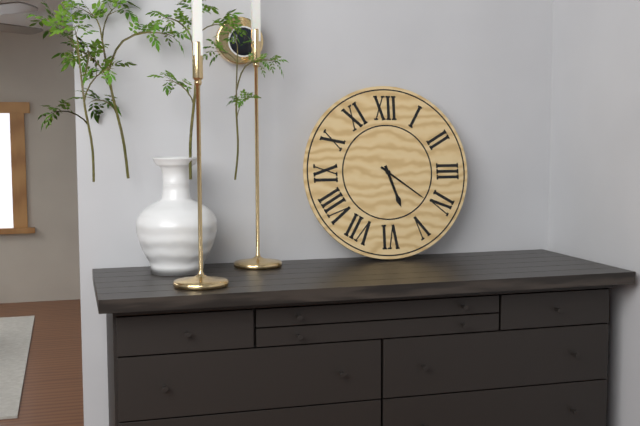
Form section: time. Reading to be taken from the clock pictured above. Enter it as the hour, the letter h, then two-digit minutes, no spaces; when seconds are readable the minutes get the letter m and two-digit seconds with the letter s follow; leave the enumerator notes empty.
5h21
